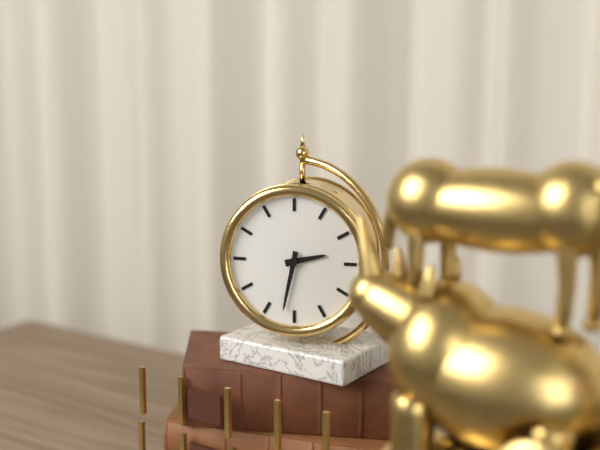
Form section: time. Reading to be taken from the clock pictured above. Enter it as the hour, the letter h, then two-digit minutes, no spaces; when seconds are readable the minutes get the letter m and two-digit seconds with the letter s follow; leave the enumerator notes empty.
2h32
